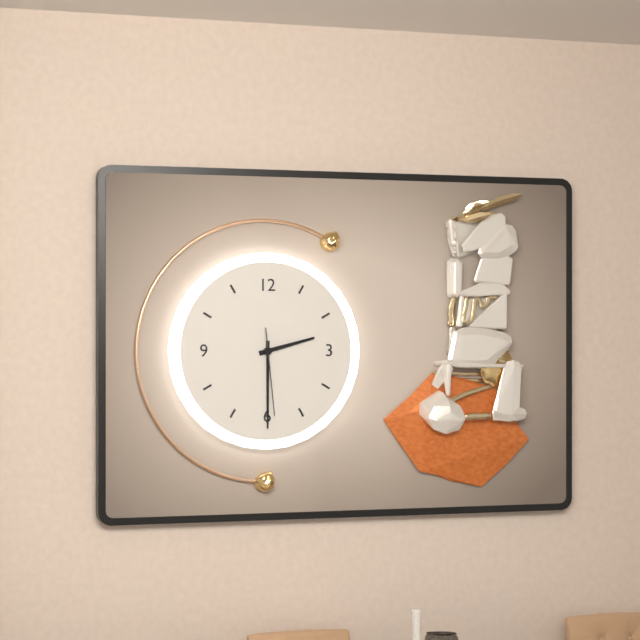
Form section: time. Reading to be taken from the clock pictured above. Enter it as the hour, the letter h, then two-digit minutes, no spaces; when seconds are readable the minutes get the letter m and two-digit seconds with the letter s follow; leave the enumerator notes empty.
2h30m29s
